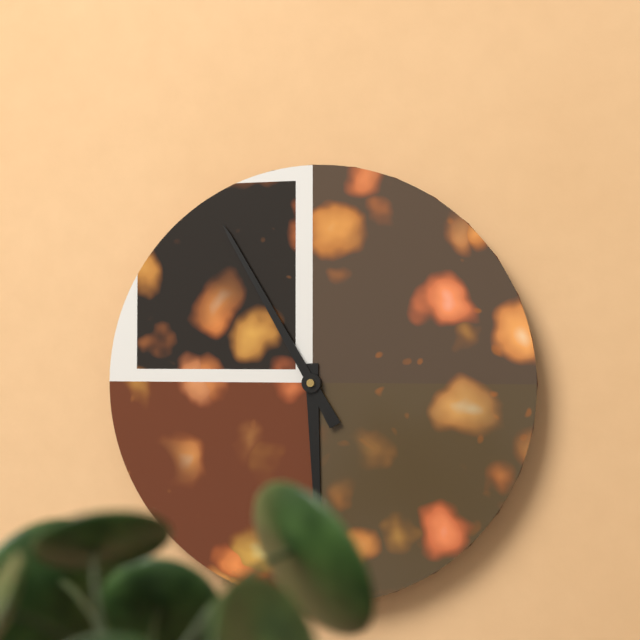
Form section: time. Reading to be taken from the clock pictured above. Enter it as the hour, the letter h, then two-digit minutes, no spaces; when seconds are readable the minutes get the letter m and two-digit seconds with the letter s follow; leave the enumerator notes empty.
5h55
